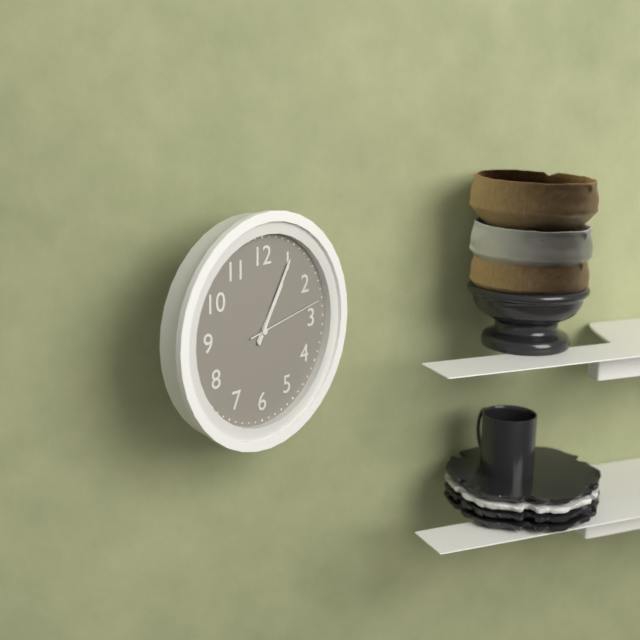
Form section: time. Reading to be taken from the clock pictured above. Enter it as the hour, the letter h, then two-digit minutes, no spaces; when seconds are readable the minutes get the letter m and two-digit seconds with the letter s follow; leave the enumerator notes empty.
1h05m13s
